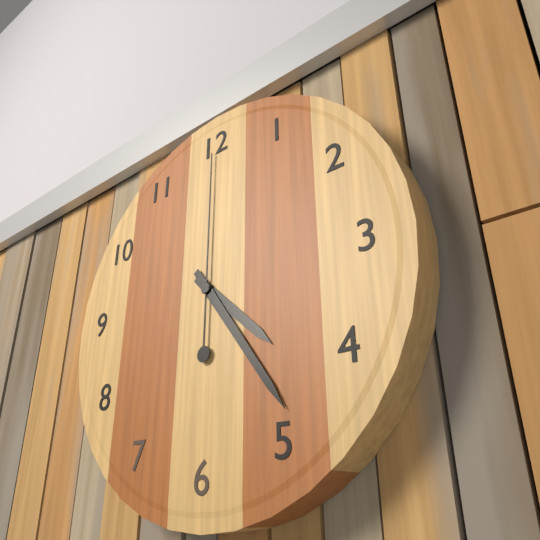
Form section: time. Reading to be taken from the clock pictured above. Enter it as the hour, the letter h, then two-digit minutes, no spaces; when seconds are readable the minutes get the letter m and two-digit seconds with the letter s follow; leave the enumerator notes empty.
4h24m00s
